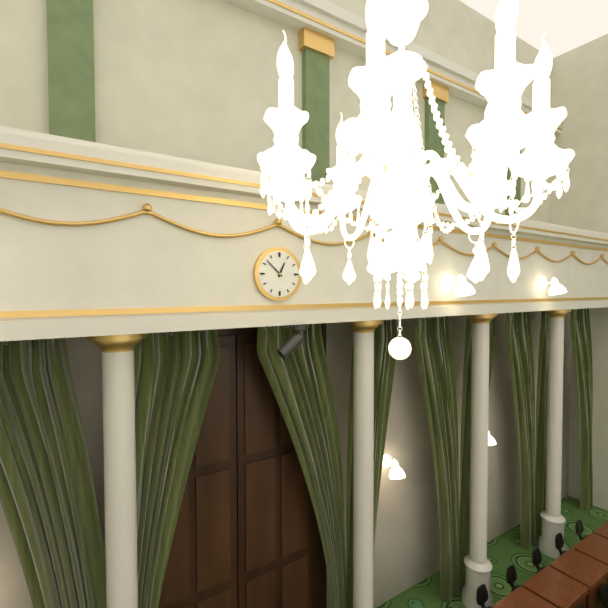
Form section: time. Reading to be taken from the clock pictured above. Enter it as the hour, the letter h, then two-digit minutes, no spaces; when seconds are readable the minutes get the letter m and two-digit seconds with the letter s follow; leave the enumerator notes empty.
12h52
